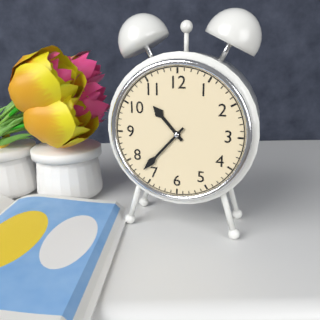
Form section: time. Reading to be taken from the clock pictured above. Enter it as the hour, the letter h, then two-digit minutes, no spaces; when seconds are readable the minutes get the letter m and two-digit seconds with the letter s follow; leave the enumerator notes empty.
10h37
